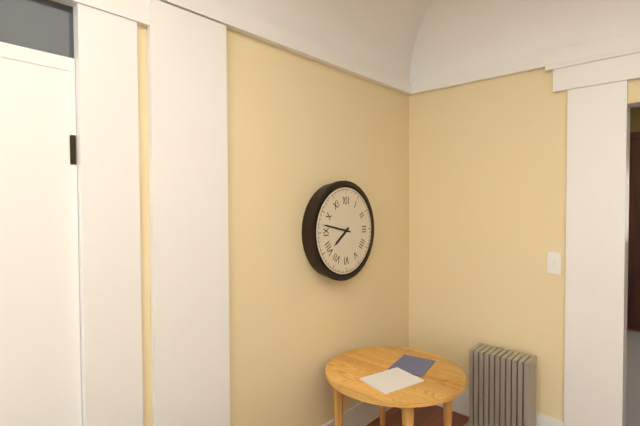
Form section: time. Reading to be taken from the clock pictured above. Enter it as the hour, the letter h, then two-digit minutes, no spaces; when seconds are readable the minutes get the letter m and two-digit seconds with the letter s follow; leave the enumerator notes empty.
7h47
